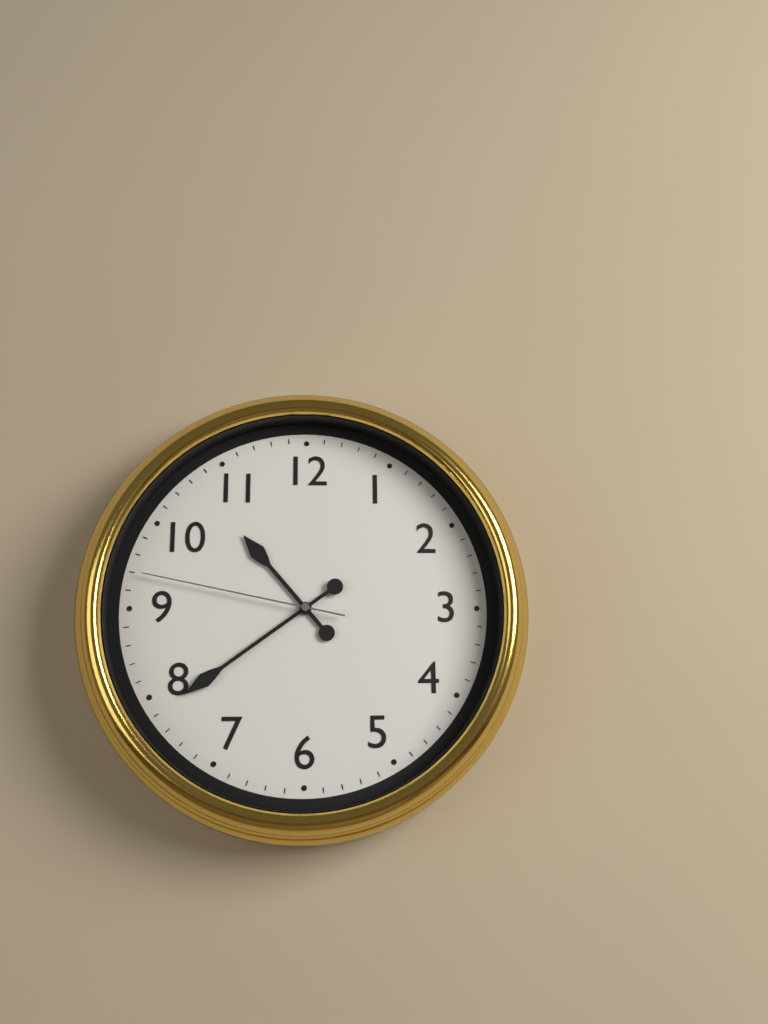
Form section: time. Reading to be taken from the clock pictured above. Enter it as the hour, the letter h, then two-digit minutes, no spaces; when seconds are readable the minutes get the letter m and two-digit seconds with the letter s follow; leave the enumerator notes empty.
10h39m47s
